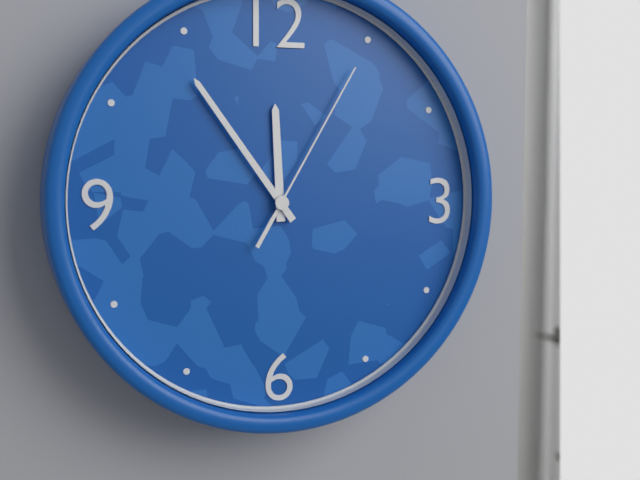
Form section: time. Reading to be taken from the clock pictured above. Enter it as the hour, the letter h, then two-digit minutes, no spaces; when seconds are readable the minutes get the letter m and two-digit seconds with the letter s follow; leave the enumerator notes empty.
11h54m05s
